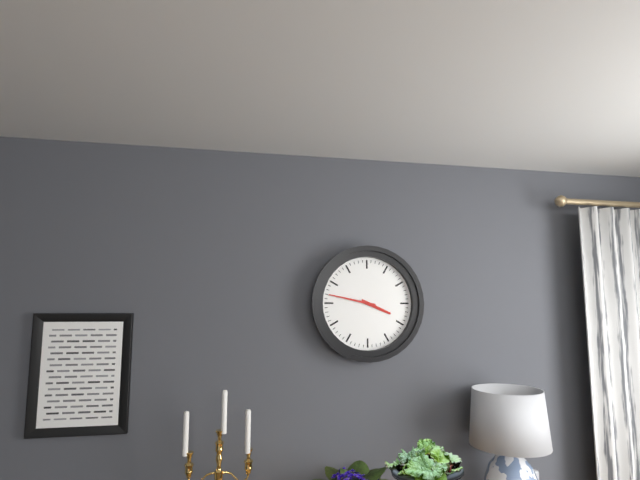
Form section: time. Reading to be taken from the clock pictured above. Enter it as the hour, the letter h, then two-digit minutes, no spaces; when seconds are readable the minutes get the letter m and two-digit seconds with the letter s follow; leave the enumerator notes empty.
3h47
